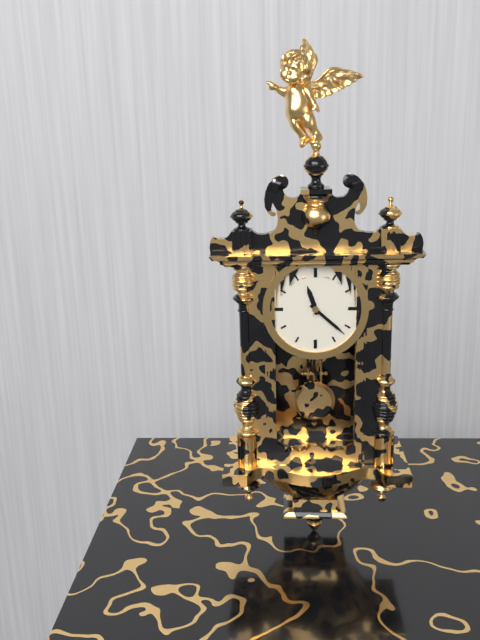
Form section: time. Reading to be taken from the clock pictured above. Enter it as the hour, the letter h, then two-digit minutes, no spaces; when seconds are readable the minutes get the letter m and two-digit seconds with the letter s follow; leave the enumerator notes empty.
11h22
